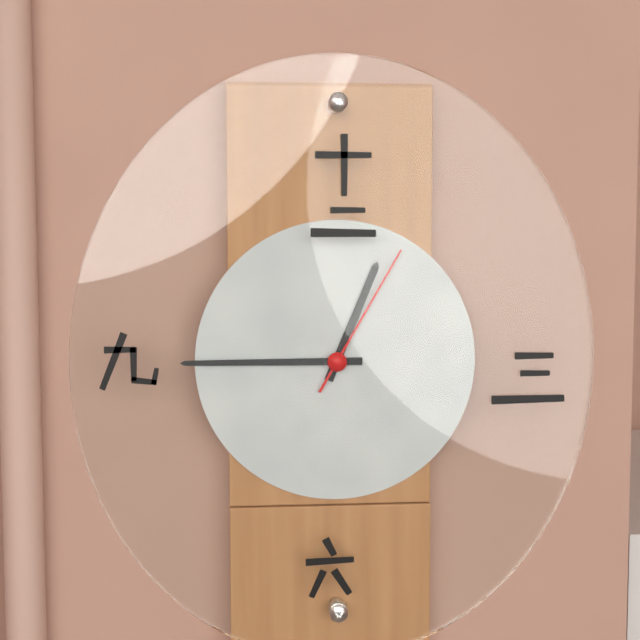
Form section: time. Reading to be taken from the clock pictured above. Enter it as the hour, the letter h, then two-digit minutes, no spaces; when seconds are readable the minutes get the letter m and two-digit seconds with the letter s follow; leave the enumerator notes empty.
12h45m05s
